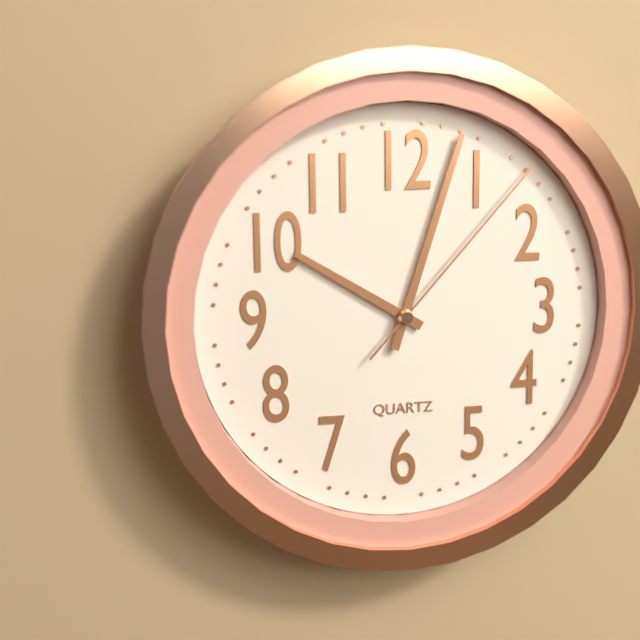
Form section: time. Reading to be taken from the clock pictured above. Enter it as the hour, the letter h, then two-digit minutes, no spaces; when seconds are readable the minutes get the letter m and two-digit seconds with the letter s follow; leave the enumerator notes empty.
10h03m07s
